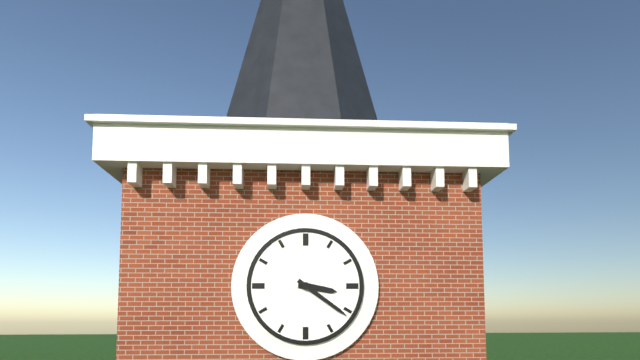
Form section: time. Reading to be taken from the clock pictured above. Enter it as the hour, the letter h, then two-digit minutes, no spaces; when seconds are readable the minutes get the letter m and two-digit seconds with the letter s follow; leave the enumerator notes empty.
3h21
